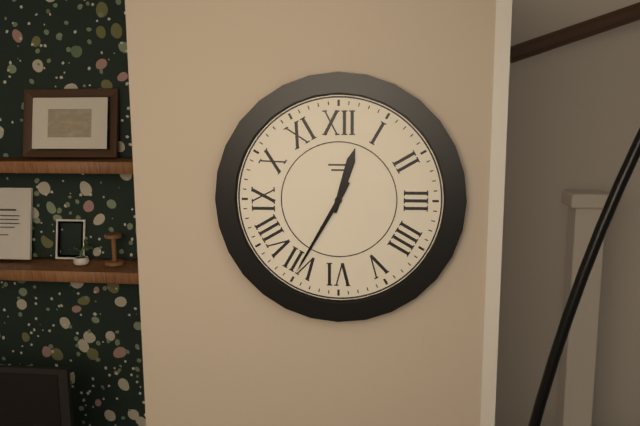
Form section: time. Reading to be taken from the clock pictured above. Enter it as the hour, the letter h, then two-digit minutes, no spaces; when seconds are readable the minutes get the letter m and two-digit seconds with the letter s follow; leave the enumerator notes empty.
12h35
